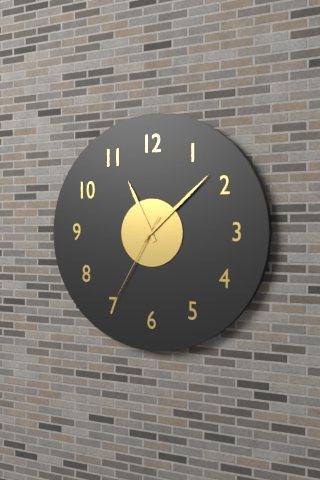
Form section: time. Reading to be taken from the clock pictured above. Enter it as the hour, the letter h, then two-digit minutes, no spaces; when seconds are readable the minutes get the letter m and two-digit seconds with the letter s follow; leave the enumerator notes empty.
11h08m35s
